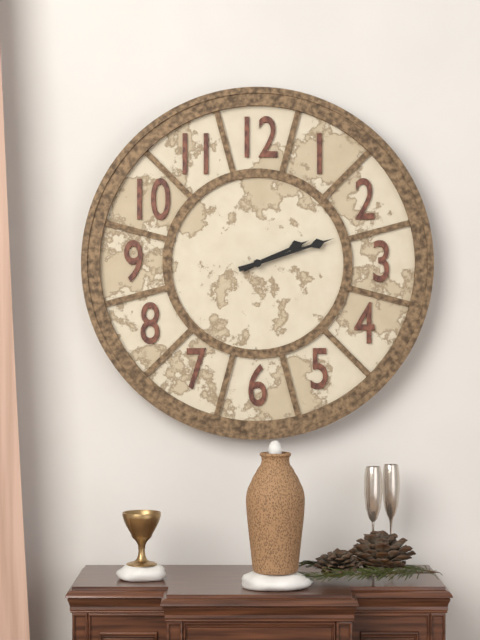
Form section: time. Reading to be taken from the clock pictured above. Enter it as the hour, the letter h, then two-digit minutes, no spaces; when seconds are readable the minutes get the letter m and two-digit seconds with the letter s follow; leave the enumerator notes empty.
2h12
